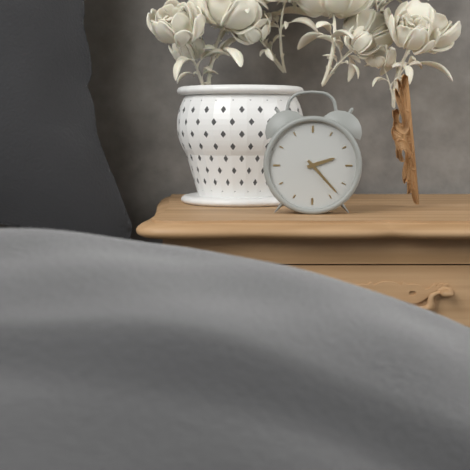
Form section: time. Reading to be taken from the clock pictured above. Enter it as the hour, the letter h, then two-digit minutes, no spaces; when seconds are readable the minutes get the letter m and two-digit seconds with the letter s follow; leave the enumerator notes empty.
2h23
